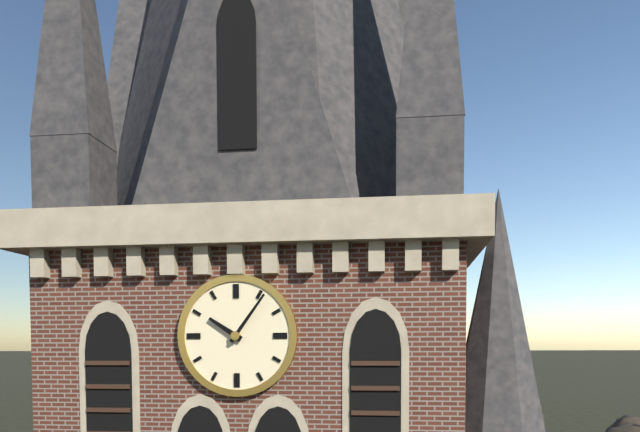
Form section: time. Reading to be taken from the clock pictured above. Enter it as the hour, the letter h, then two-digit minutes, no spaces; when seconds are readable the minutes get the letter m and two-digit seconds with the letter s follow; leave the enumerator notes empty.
10h06
